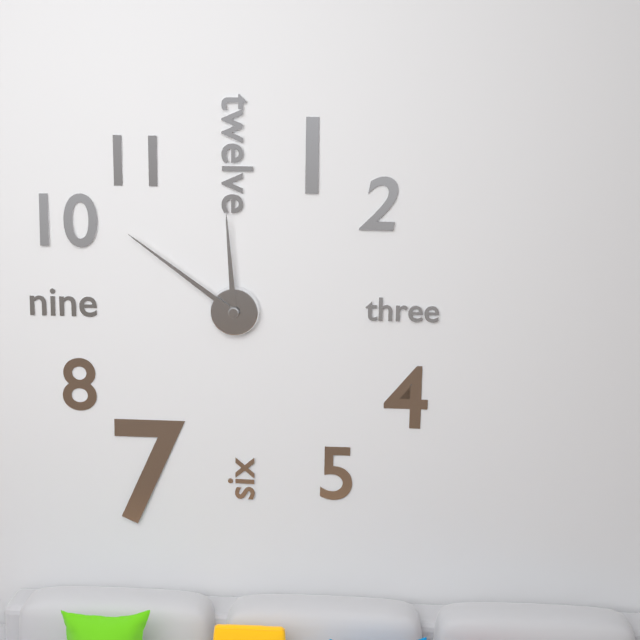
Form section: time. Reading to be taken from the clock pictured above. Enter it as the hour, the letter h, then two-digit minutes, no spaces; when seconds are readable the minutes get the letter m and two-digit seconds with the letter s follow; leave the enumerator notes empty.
11h51
